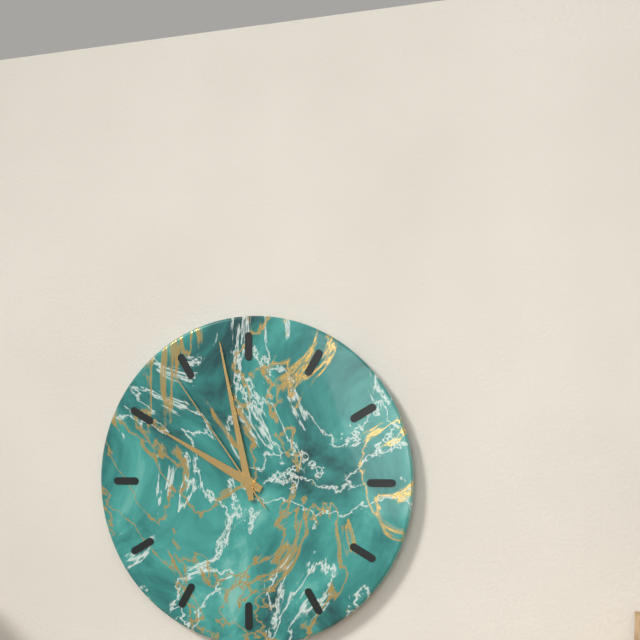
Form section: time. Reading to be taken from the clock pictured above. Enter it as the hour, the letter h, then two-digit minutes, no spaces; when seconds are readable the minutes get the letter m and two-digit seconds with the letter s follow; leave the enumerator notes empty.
9h58m54s
